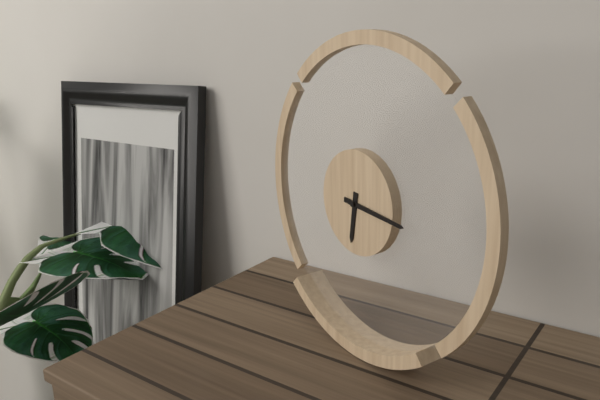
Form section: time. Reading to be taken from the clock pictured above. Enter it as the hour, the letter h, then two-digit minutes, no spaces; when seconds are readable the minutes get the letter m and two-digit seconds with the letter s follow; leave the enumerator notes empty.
6h16
